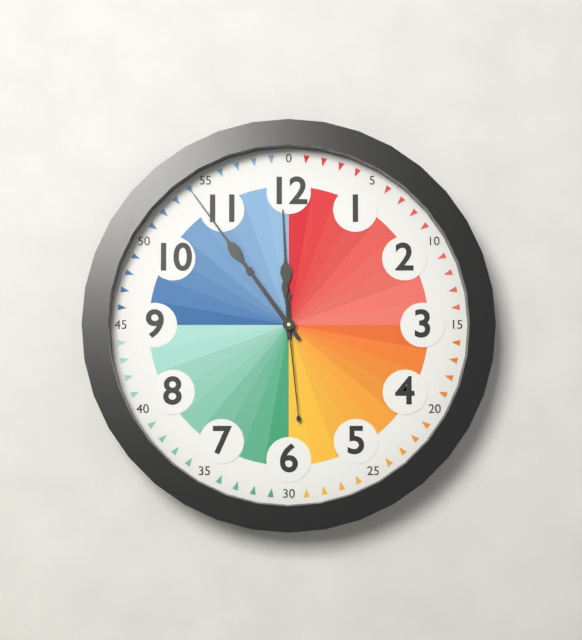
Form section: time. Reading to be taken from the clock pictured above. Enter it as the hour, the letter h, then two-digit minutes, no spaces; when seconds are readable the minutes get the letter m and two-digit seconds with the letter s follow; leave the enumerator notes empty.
11h54m29s
